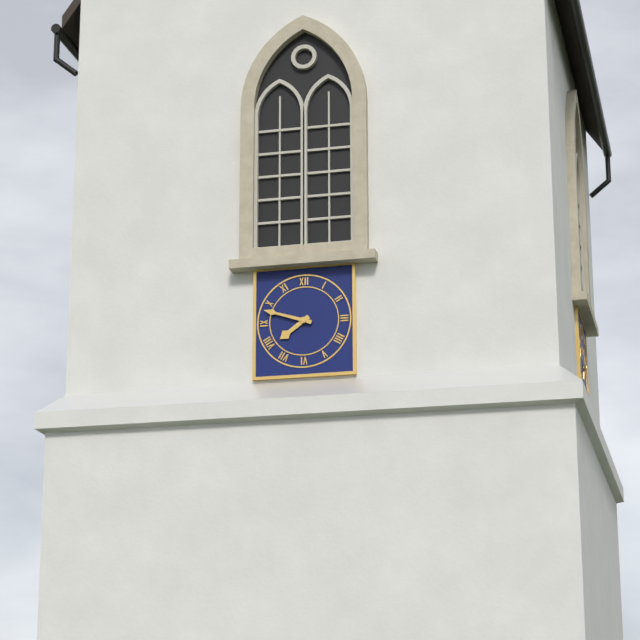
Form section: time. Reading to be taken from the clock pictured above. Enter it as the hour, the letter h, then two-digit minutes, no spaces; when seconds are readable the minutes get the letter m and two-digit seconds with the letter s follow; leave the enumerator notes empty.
7h48
